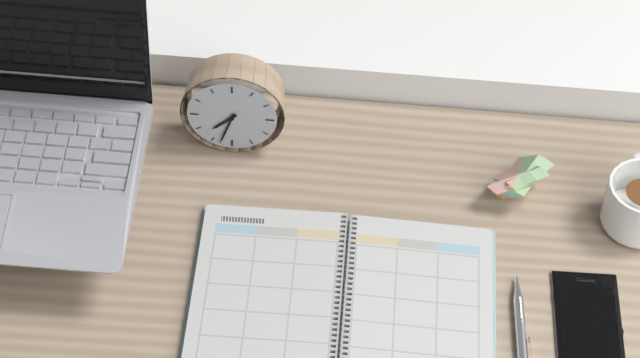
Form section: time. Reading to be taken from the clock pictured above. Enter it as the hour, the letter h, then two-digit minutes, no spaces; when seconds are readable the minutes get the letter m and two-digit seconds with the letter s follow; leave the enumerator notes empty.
7h33
